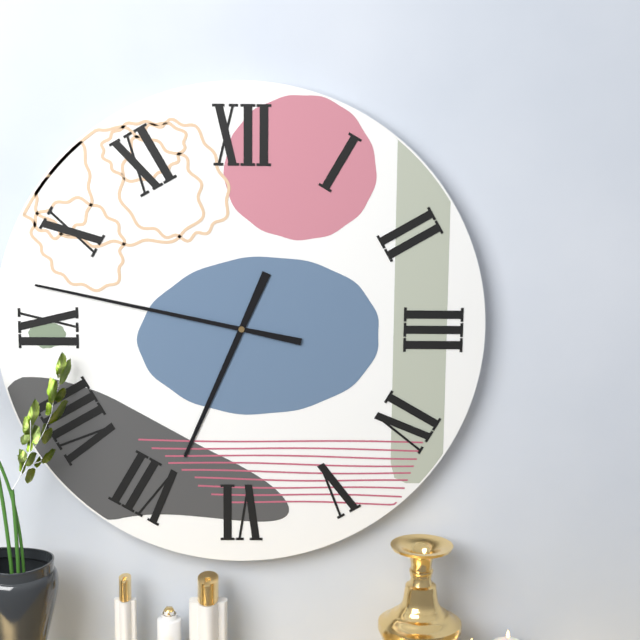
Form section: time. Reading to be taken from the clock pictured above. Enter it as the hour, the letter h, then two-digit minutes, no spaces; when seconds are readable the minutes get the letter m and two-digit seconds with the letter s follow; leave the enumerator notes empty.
6h47
